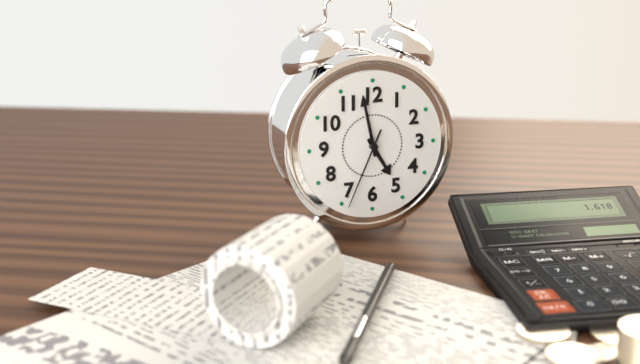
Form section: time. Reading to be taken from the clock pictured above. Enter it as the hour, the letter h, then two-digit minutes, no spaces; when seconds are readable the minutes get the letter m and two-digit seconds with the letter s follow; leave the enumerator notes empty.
4h58m34s
